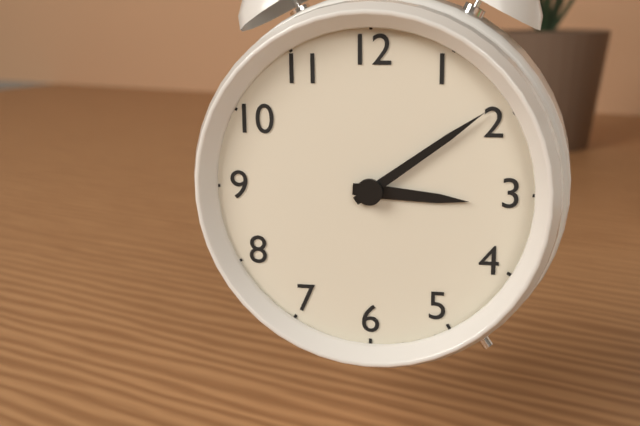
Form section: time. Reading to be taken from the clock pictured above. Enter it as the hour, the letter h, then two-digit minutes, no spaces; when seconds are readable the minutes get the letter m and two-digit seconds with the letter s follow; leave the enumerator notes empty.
3h09
